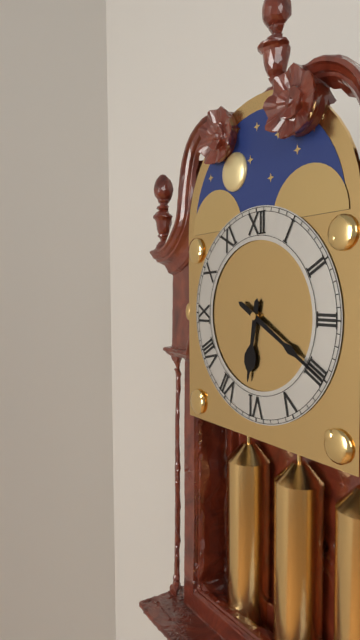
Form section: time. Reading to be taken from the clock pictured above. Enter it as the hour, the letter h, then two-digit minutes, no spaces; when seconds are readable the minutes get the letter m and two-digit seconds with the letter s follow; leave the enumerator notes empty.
6h20
